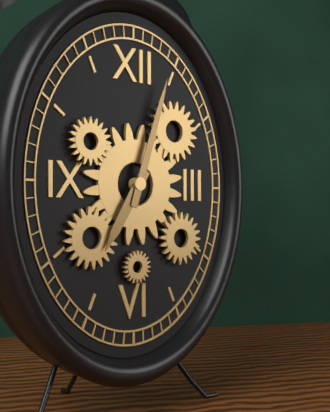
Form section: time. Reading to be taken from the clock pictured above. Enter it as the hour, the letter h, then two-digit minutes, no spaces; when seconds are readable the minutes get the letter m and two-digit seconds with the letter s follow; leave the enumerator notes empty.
7h03
